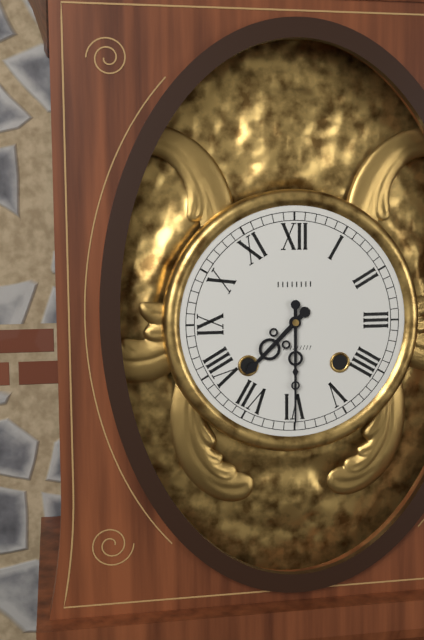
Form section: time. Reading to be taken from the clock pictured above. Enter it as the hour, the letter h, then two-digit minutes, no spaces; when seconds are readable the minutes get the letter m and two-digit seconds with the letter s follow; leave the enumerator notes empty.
7h30
